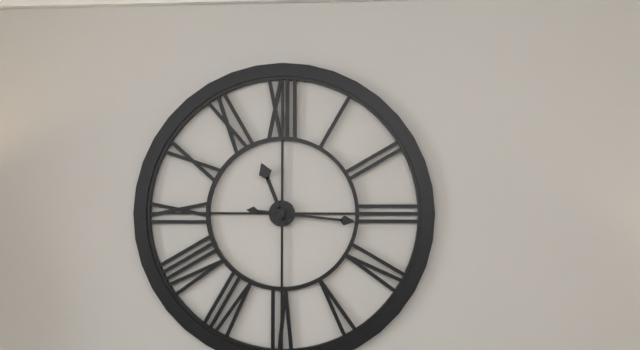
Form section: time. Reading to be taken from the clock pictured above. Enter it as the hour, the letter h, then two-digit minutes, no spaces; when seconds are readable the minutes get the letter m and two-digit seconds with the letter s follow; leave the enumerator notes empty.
11h16
